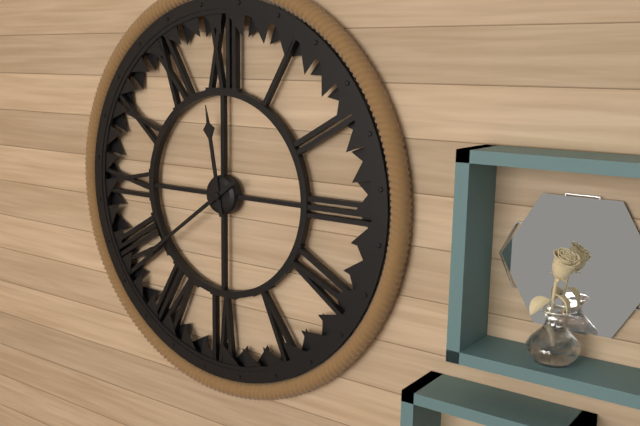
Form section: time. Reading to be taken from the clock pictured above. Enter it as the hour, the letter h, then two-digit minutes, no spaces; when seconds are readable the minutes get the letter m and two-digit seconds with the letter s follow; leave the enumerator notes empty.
11h39
